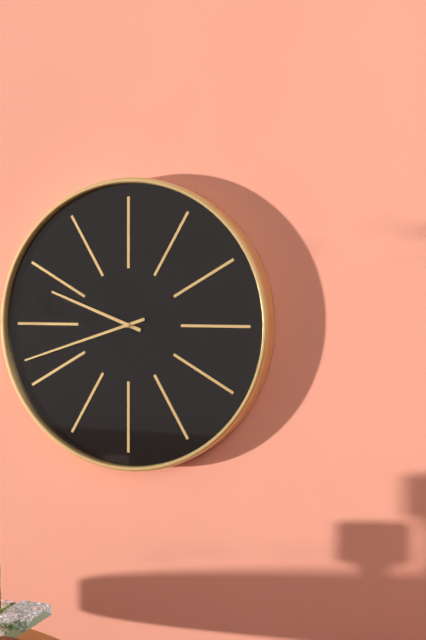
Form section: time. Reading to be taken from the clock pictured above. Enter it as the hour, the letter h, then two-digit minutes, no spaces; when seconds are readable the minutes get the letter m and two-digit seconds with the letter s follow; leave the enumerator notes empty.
9h42
